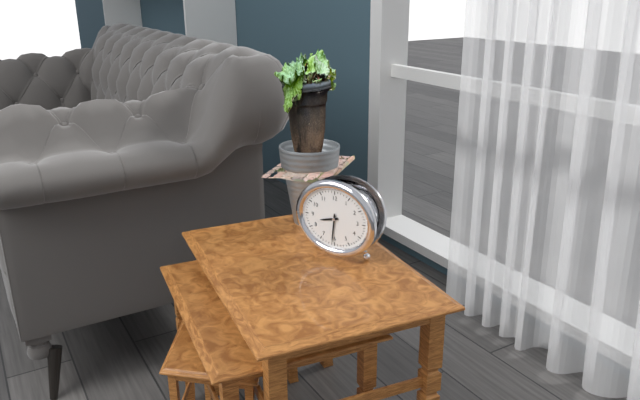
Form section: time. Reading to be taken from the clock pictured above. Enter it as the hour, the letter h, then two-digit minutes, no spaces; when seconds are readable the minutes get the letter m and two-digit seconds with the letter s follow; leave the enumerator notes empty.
8h31
